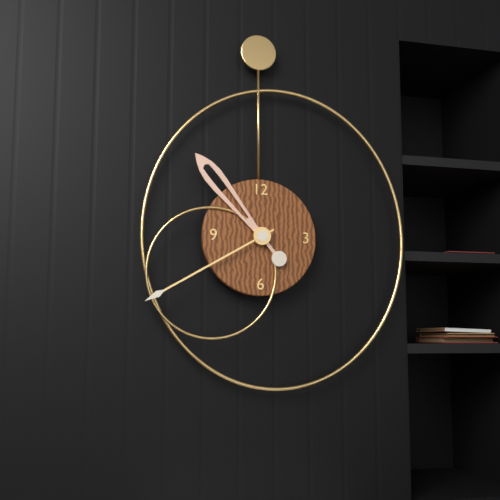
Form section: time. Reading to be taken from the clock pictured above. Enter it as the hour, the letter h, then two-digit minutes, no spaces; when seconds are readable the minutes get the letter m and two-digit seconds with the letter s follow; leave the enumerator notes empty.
10h40
